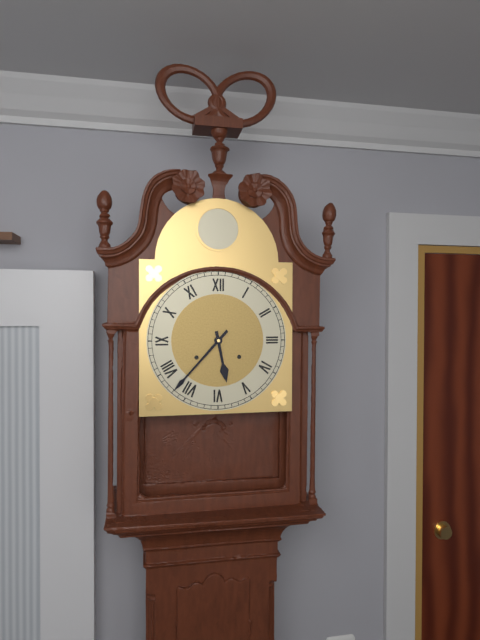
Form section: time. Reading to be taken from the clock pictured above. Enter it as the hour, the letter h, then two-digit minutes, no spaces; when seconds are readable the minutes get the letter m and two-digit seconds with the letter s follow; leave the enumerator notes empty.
5h37
